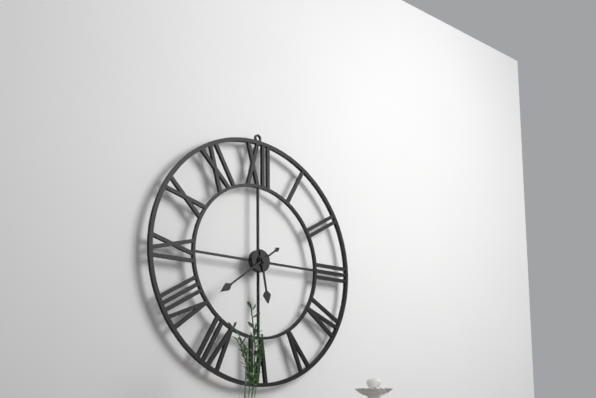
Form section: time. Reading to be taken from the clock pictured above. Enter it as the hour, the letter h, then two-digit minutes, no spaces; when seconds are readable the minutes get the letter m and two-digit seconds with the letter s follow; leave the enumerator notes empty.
5h39
